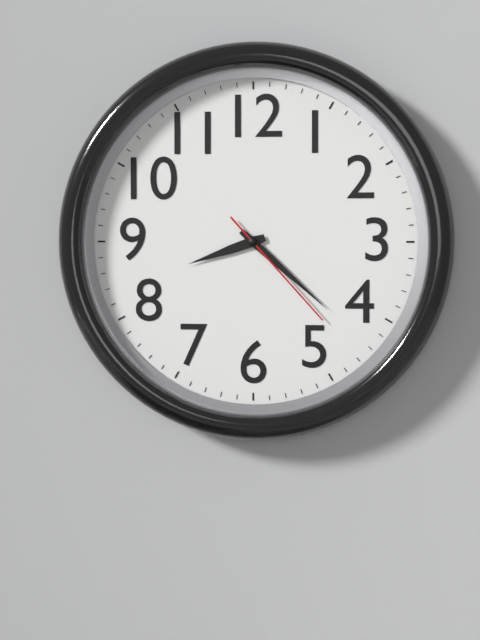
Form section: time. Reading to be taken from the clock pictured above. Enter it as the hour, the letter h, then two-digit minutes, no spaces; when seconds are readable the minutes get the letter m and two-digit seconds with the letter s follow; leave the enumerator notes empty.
8h22m23s
